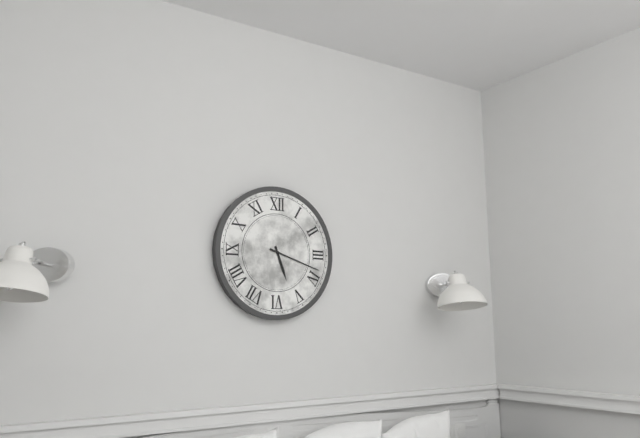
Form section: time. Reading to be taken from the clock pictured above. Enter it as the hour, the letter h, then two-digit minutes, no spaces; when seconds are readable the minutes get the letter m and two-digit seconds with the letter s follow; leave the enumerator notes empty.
5h18
